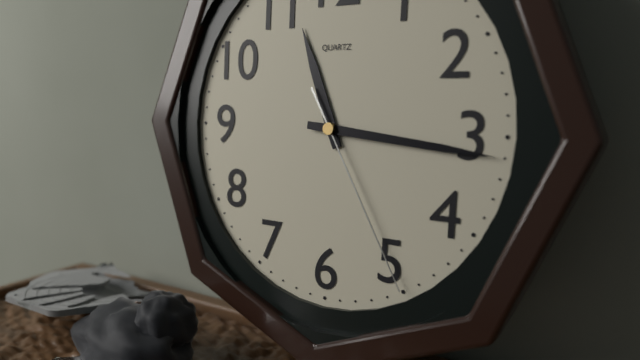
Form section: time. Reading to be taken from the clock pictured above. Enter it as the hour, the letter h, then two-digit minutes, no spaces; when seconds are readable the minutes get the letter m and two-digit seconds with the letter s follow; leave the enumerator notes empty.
11h16m25s
